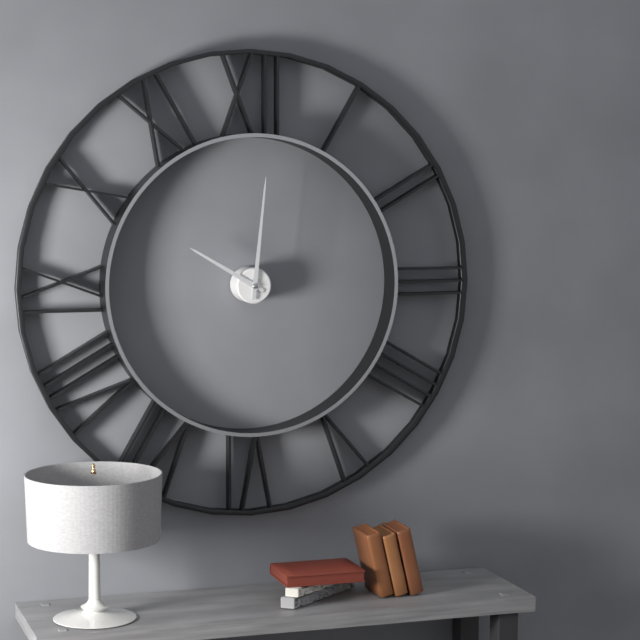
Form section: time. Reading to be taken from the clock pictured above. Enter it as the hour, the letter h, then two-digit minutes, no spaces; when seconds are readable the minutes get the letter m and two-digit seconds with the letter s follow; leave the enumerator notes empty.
10h01
